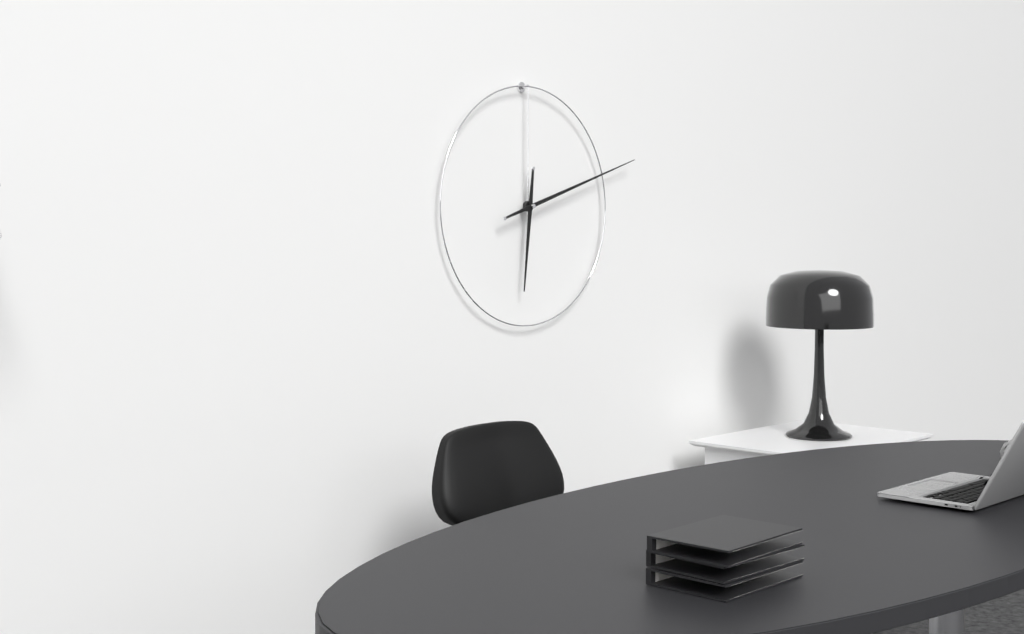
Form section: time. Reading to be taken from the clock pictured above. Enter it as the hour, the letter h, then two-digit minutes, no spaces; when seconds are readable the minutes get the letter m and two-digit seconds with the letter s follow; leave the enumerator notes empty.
6h12
